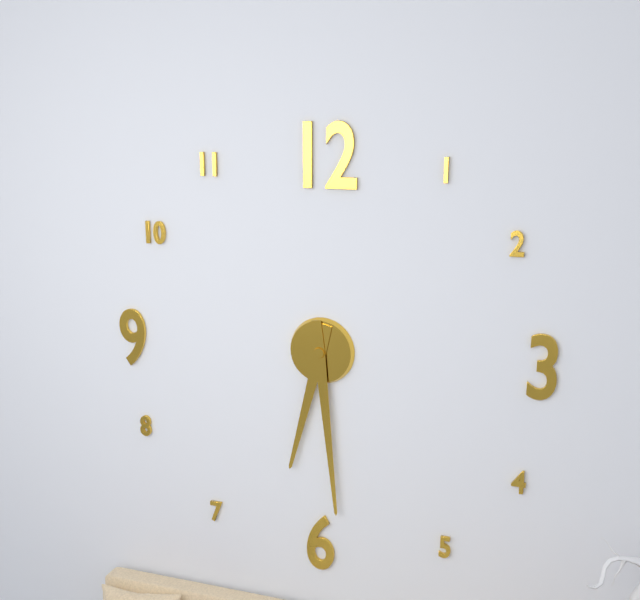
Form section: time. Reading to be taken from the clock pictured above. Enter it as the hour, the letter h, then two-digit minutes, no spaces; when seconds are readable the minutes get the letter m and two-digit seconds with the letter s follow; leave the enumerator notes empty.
6h29
